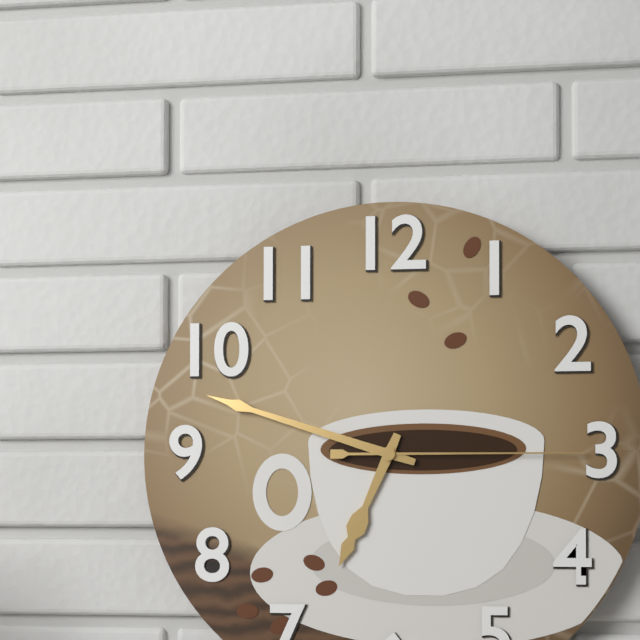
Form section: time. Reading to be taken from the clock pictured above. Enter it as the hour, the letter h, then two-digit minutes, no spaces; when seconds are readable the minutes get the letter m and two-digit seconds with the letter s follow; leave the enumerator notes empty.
6h48m15s
